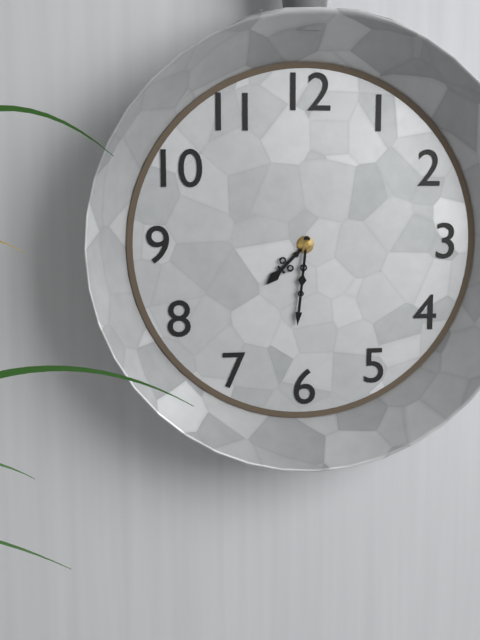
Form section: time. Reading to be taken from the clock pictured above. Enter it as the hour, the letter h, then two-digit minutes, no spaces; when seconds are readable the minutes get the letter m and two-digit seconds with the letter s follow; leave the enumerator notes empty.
7h31
